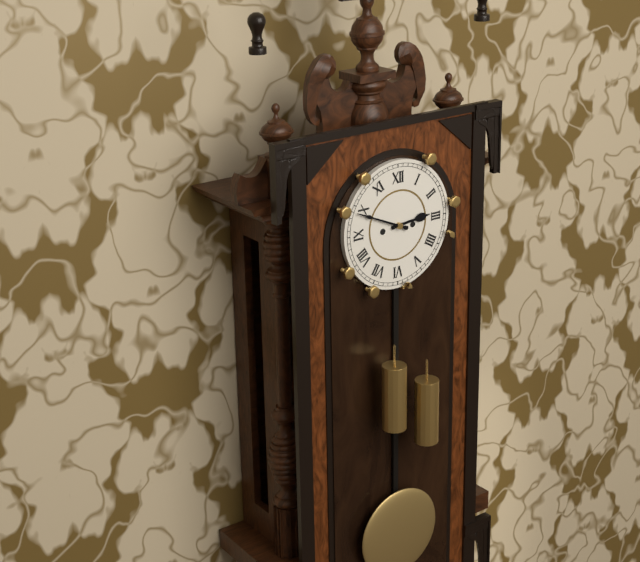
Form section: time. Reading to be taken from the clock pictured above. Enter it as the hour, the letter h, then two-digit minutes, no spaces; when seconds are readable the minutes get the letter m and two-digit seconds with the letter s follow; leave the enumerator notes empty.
2h49
